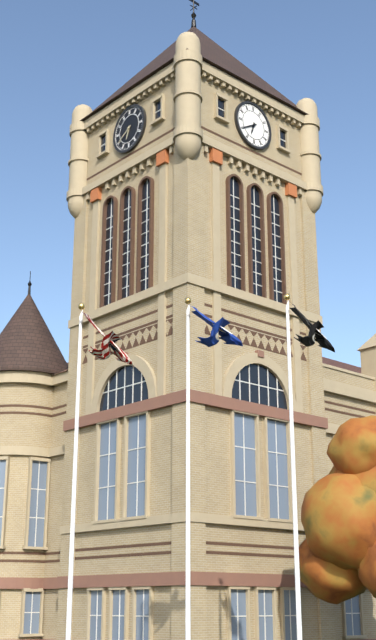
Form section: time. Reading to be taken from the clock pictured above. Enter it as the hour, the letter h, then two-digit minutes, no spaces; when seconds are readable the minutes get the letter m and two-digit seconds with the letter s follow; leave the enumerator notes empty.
6h40
